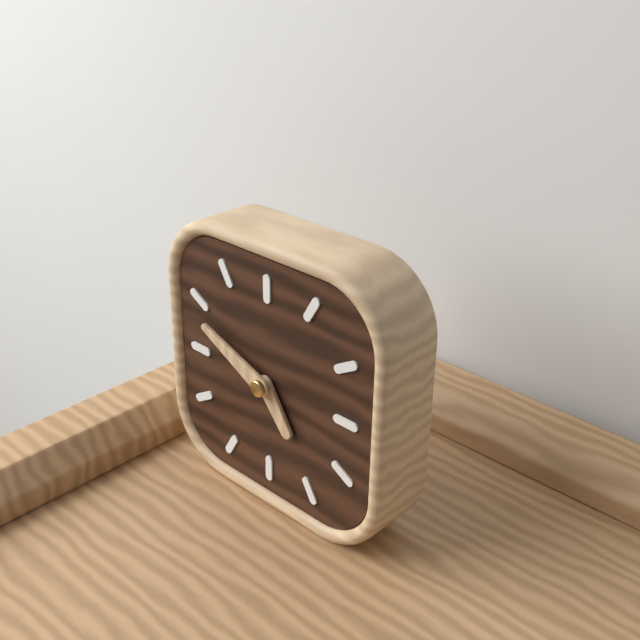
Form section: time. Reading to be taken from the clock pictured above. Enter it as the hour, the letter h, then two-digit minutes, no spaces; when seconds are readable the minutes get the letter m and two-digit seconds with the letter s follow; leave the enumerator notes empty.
4h49
